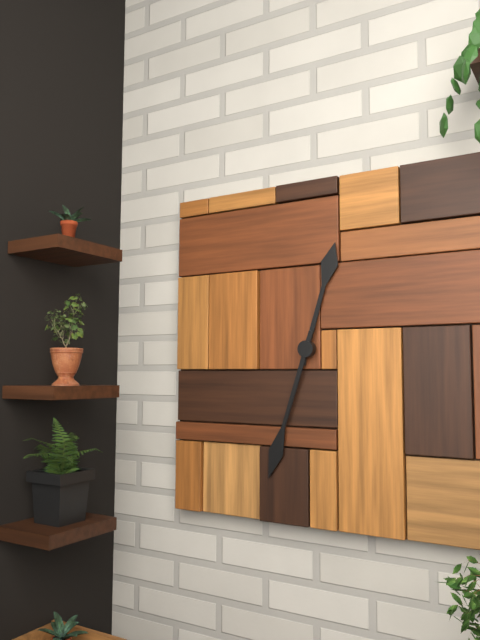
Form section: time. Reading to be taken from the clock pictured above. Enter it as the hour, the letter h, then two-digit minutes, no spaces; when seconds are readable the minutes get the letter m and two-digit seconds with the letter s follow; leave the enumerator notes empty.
12h33
